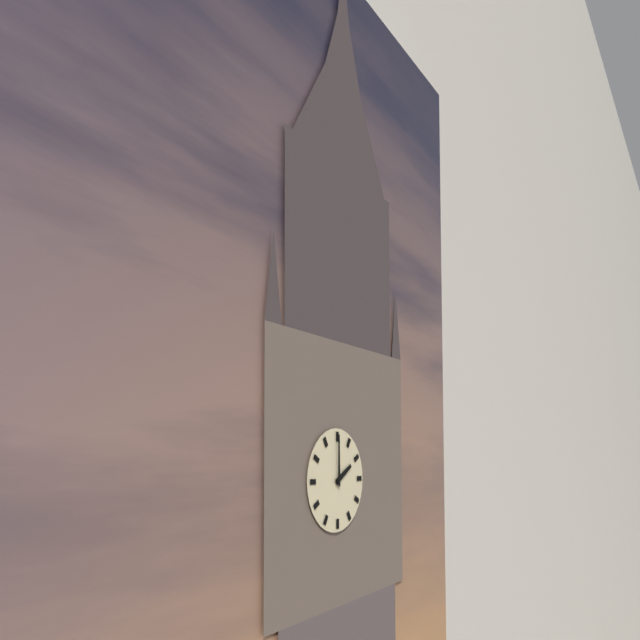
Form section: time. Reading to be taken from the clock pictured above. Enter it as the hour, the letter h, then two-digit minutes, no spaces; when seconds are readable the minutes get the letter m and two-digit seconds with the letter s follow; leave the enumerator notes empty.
2h00
